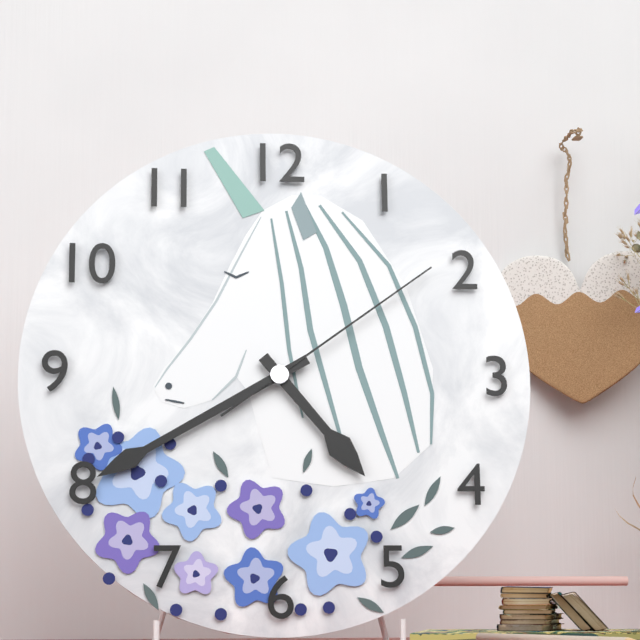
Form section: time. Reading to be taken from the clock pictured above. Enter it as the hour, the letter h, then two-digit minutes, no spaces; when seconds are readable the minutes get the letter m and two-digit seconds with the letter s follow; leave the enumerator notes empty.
4h40m09s
